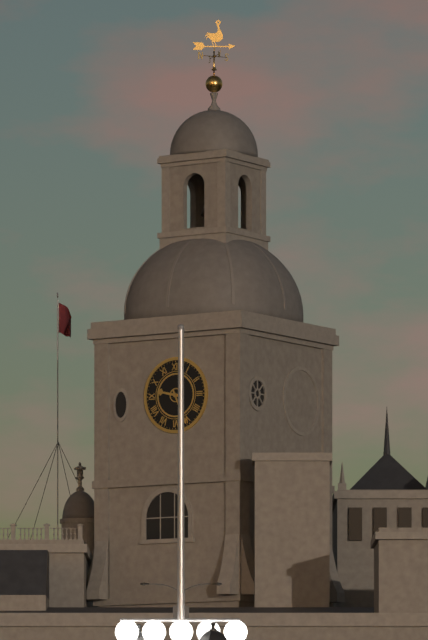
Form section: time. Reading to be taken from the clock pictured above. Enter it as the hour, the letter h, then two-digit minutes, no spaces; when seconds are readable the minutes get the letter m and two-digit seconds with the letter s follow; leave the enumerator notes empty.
9h26
